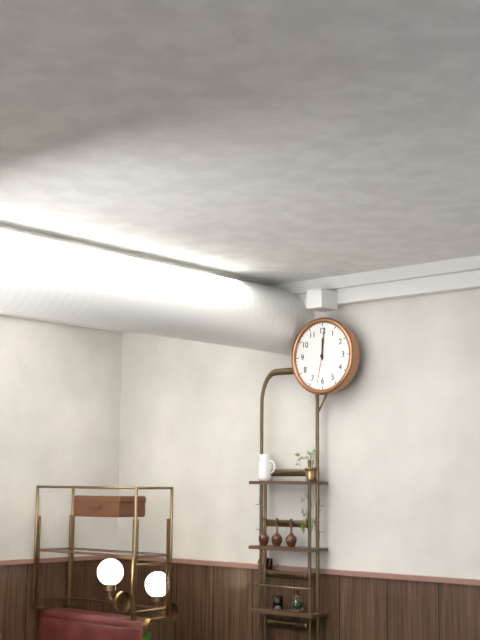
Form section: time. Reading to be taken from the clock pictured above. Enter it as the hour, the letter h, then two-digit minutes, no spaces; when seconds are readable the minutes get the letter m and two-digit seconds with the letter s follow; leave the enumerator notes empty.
12h01
